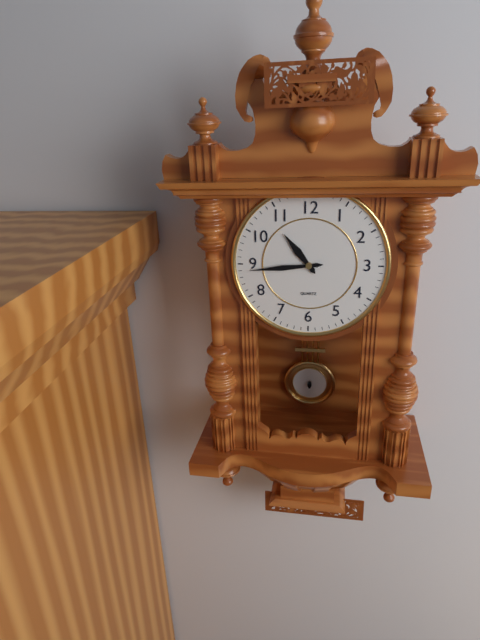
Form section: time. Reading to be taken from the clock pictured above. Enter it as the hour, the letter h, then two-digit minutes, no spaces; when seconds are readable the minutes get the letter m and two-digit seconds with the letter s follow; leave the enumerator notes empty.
10h44
